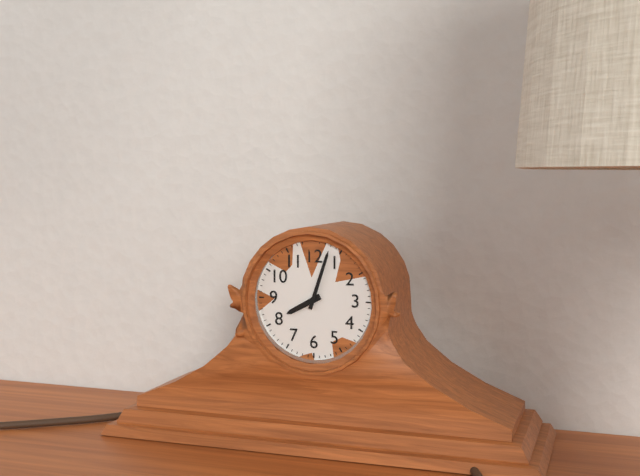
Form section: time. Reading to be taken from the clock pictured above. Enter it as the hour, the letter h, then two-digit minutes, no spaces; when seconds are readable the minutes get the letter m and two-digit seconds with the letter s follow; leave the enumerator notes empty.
8h03
